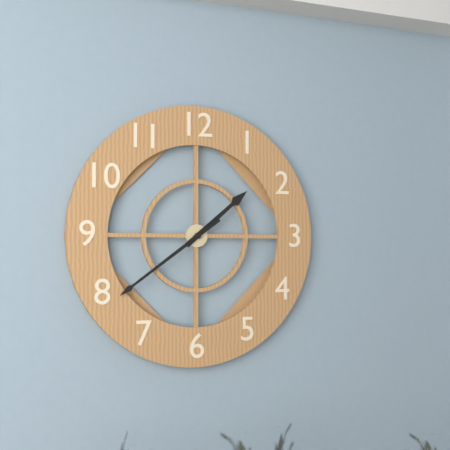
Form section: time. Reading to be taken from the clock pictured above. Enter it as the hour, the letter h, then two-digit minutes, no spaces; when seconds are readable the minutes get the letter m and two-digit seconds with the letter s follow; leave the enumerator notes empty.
1h39
